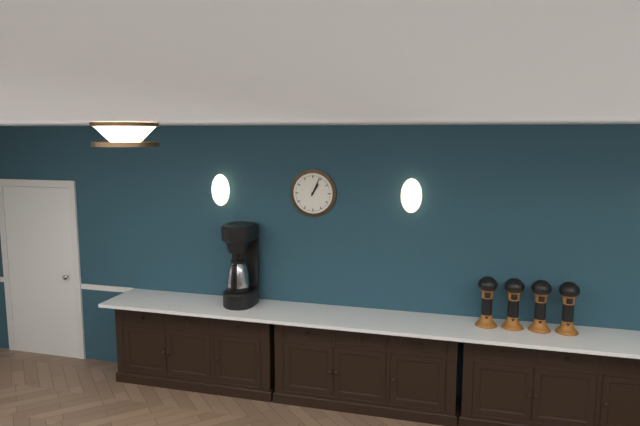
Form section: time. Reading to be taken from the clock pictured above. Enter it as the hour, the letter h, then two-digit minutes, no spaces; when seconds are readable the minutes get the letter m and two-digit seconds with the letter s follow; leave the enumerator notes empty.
1h04
